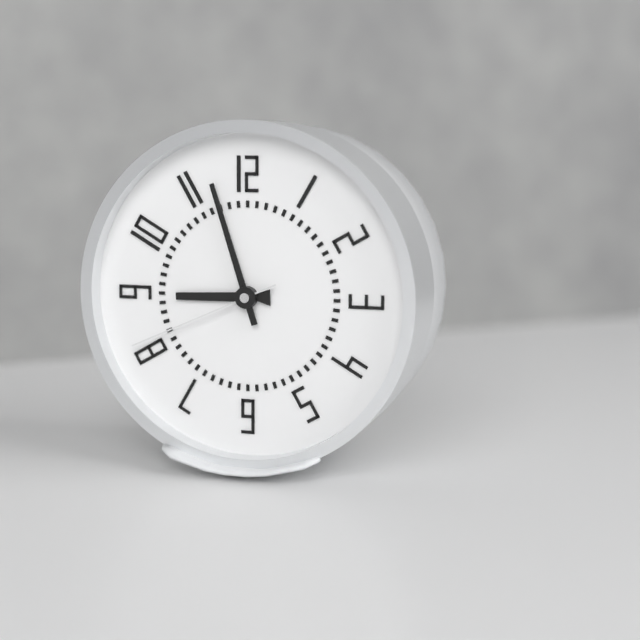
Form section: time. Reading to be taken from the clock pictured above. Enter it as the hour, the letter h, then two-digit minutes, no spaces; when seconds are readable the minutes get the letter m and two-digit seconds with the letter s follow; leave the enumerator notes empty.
8h57m41s
